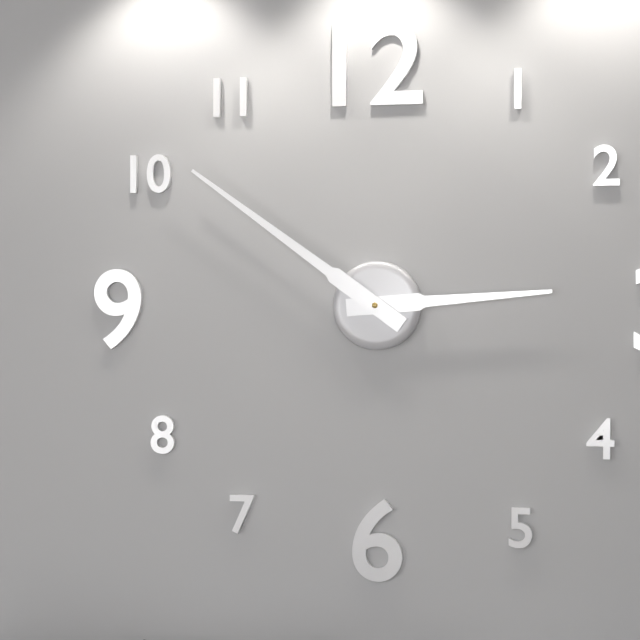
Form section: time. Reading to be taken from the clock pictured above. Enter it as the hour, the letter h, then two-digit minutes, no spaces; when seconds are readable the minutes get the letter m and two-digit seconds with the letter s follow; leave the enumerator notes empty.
2h51
